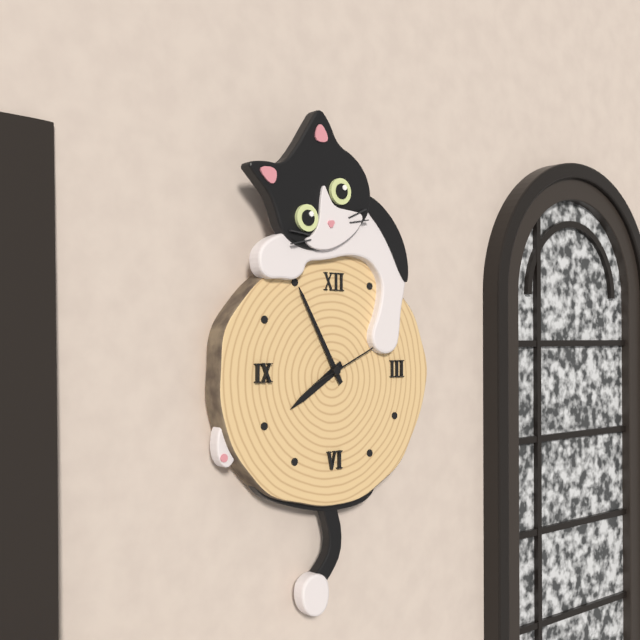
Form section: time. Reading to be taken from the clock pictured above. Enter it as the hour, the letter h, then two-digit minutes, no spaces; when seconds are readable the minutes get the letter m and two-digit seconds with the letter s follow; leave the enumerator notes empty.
7h55
